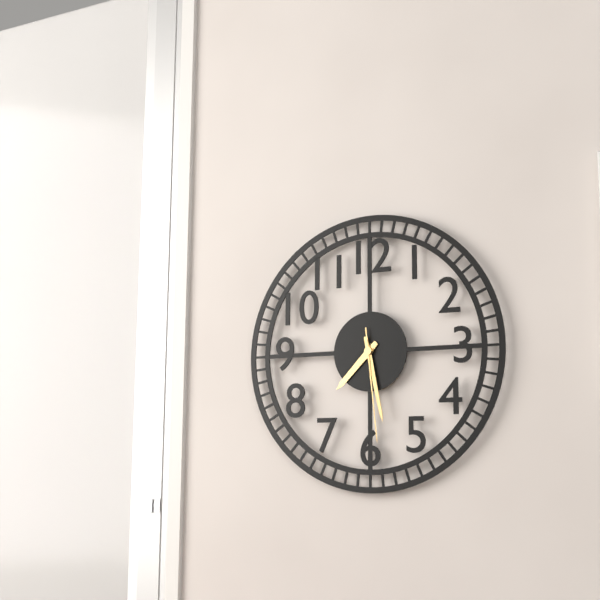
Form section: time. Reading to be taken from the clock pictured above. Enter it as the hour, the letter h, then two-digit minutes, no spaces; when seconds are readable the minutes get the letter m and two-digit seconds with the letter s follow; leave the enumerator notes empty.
7h28m29s
